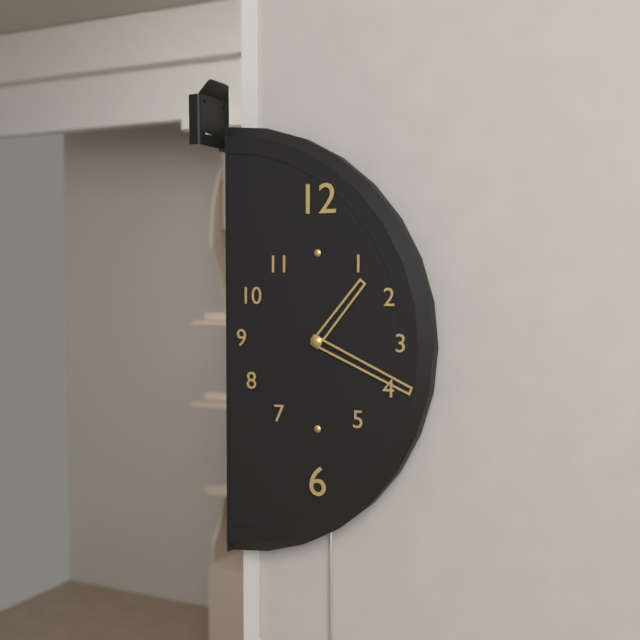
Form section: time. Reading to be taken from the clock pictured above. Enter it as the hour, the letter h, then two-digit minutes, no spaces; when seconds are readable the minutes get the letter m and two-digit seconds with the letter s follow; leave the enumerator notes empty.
1h19
